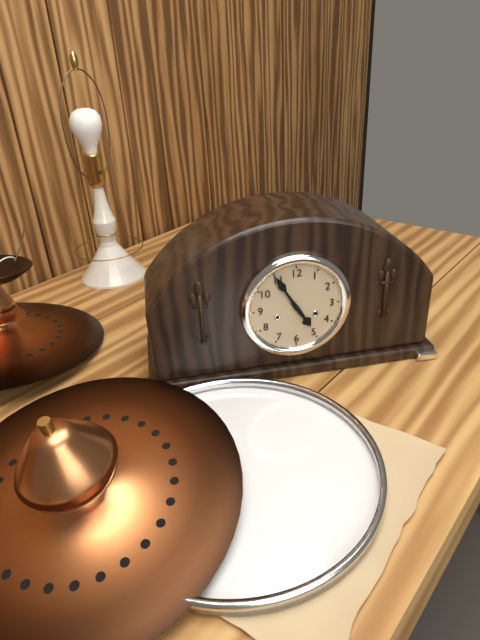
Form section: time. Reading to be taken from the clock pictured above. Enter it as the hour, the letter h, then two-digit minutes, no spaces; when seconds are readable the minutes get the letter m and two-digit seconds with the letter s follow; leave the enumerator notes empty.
4h55
